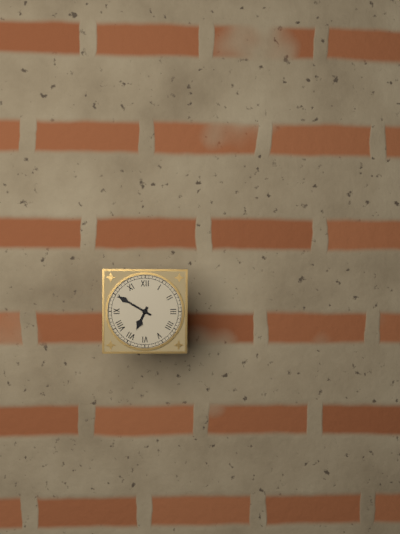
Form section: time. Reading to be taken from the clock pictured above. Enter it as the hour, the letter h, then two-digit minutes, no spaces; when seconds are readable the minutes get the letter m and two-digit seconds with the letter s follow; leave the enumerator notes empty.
6h50
